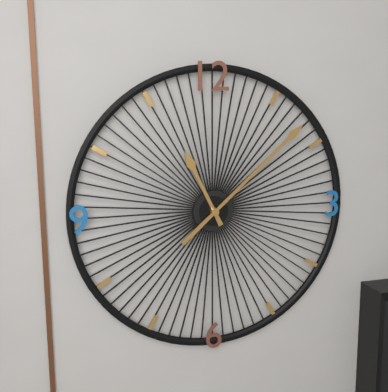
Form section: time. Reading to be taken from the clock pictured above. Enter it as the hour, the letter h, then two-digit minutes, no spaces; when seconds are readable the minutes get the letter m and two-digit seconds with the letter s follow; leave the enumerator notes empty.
11h08
